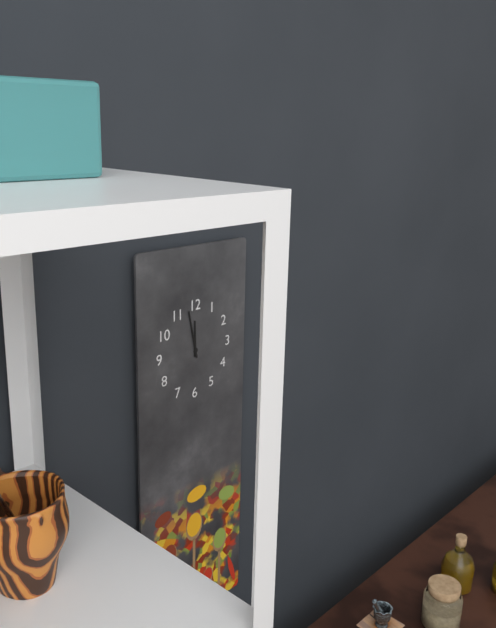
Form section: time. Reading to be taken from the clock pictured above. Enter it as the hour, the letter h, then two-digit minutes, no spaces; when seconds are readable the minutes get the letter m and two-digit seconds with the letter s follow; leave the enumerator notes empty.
11h58
